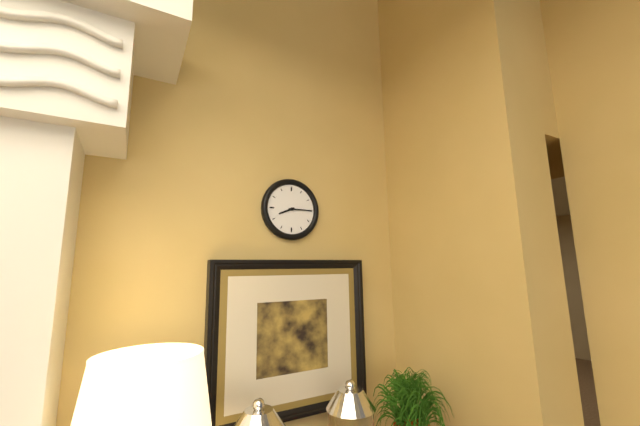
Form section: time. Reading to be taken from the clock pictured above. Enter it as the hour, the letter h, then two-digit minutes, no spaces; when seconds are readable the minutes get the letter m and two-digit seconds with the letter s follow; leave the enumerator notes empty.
8h15
